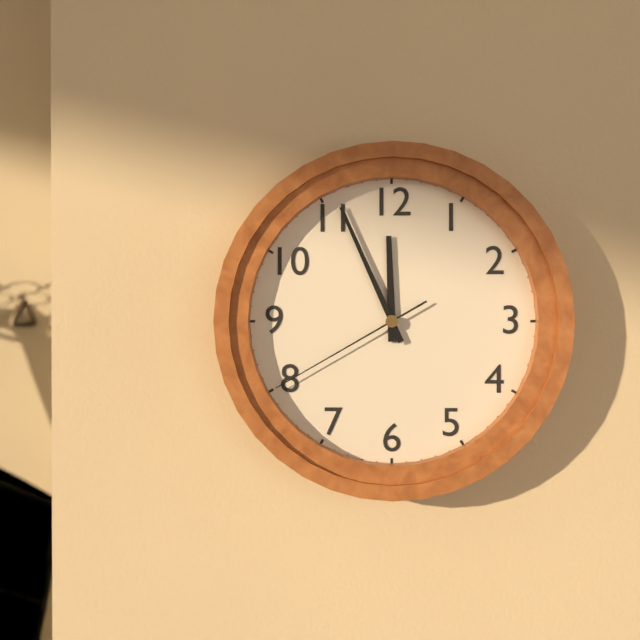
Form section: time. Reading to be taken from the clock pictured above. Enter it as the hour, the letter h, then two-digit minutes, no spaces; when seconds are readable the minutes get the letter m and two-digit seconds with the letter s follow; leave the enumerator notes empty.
11h56m40s
